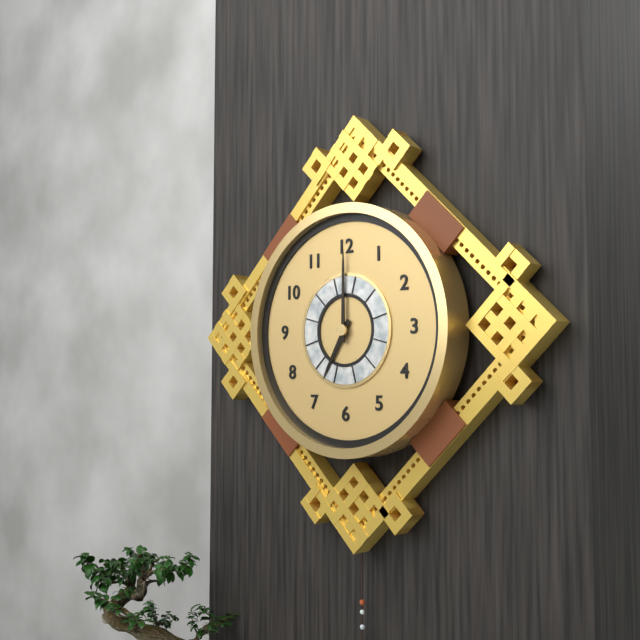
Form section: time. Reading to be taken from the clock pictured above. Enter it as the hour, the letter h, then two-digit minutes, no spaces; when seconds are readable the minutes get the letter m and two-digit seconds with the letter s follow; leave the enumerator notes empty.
7h00
